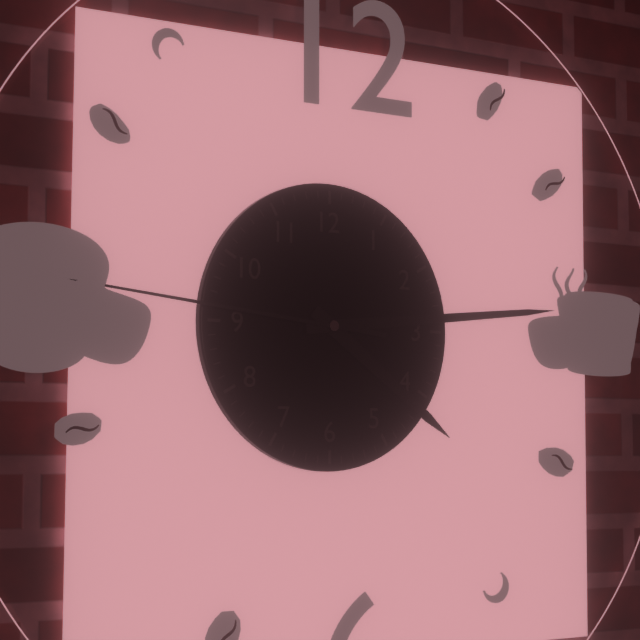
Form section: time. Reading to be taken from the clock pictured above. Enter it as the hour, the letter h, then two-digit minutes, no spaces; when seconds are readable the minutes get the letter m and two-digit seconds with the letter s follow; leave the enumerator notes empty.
4h14m46s
